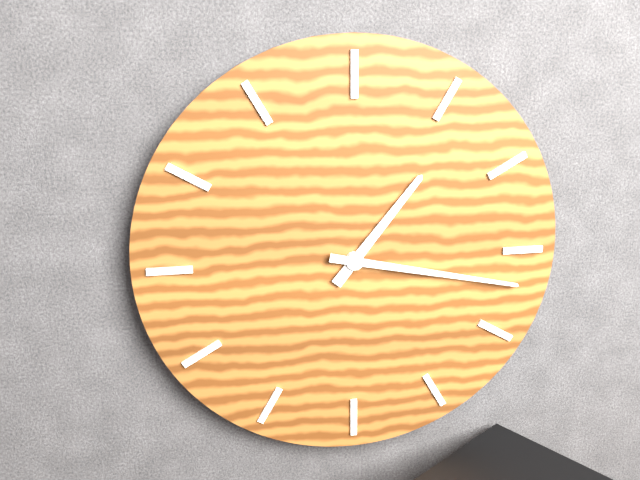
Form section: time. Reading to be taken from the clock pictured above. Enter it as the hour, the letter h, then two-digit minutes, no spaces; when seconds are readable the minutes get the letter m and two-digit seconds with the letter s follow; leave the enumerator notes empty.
1h17
